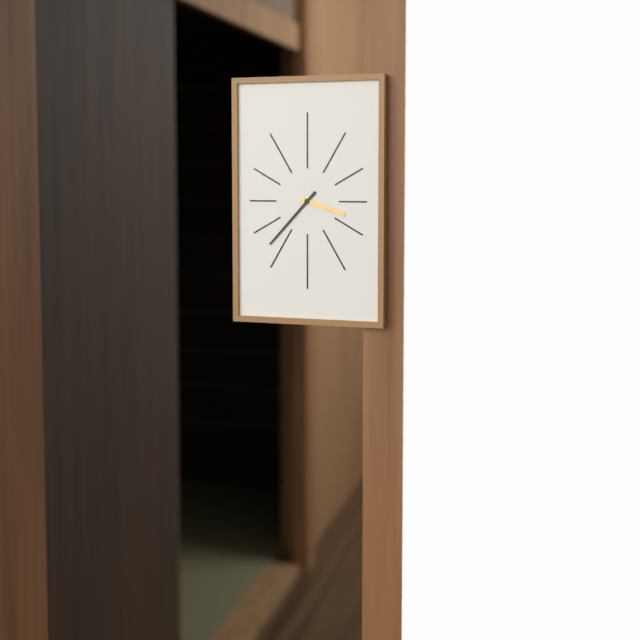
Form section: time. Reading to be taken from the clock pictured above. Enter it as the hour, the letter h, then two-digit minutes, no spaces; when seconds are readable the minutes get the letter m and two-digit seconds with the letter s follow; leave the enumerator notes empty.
3h37
